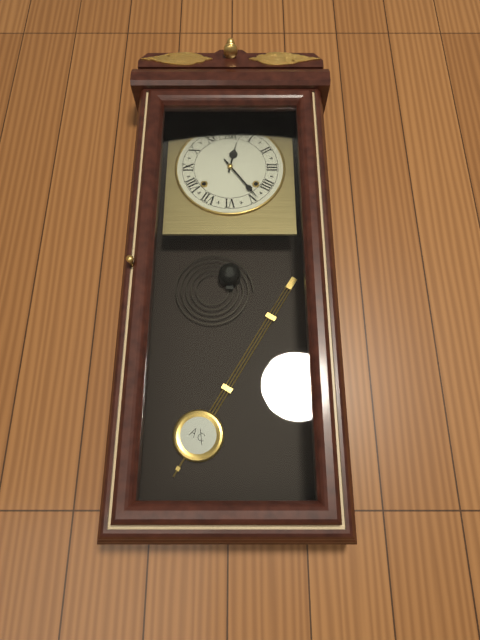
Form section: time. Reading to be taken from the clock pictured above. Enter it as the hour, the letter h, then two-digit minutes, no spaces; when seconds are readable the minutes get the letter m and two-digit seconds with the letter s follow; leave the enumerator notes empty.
12h24
